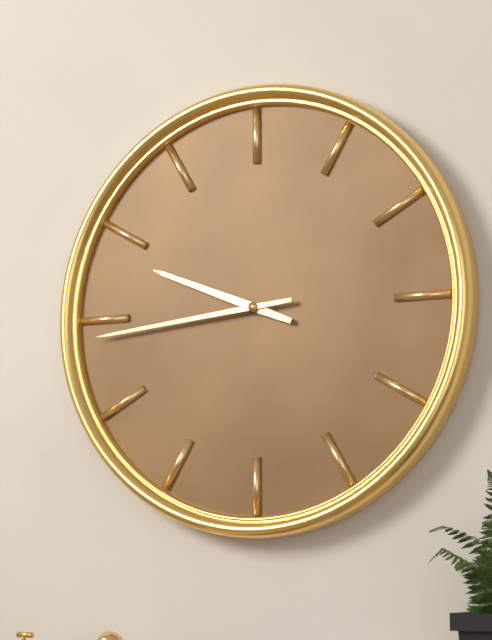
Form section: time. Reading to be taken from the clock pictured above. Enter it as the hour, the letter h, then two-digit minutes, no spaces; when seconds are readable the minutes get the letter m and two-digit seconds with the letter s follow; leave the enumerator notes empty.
9h44
